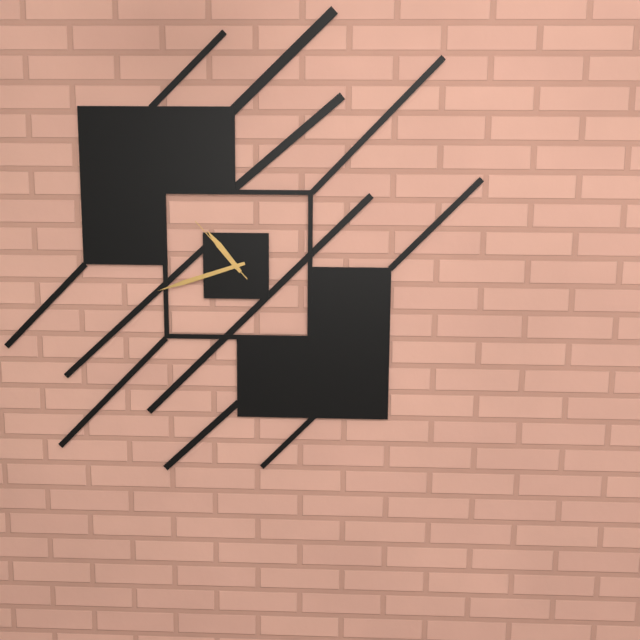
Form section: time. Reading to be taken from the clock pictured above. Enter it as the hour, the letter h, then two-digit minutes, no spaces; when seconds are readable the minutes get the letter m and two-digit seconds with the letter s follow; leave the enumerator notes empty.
10h42m53s
